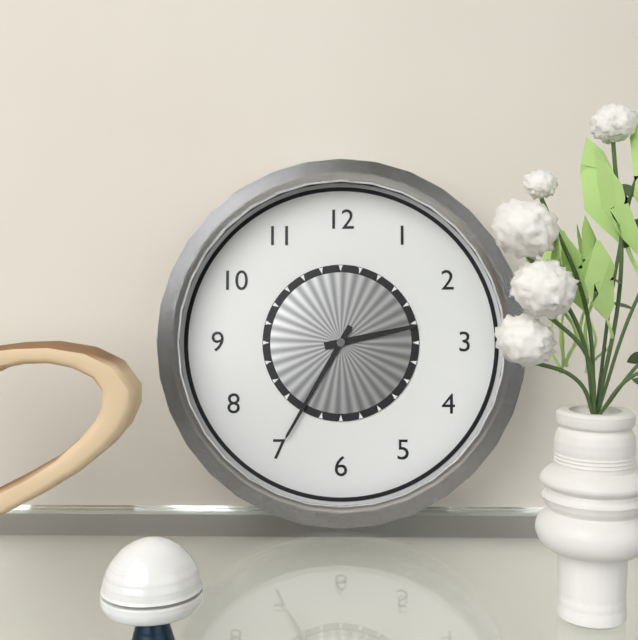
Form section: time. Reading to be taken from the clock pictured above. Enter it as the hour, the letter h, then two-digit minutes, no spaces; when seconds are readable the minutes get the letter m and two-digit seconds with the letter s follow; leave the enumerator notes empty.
2h35
